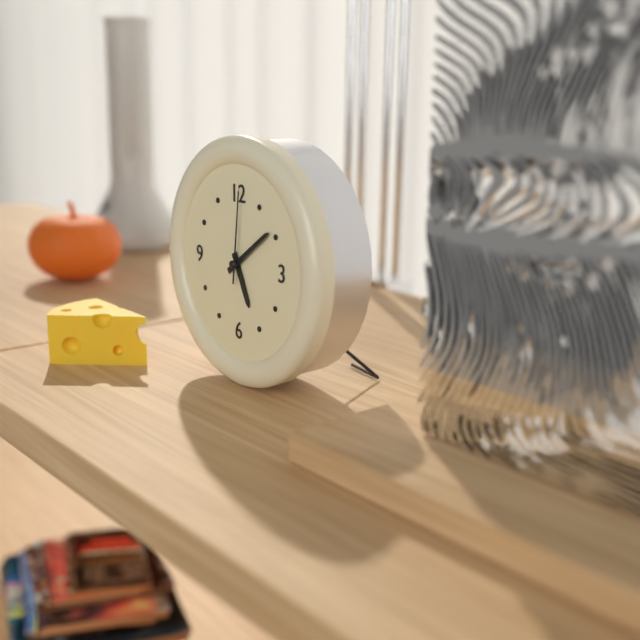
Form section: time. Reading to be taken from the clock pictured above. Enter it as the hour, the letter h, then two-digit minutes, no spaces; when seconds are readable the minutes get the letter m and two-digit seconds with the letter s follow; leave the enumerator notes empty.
5h09m01s
